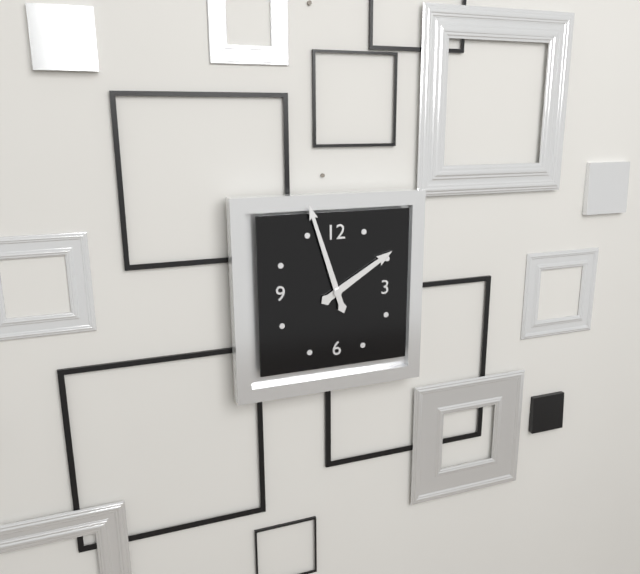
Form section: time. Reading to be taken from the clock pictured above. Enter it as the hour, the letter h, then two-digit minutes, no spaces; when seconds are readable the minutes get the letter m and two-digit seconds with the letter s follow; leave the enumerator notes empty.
1h57
